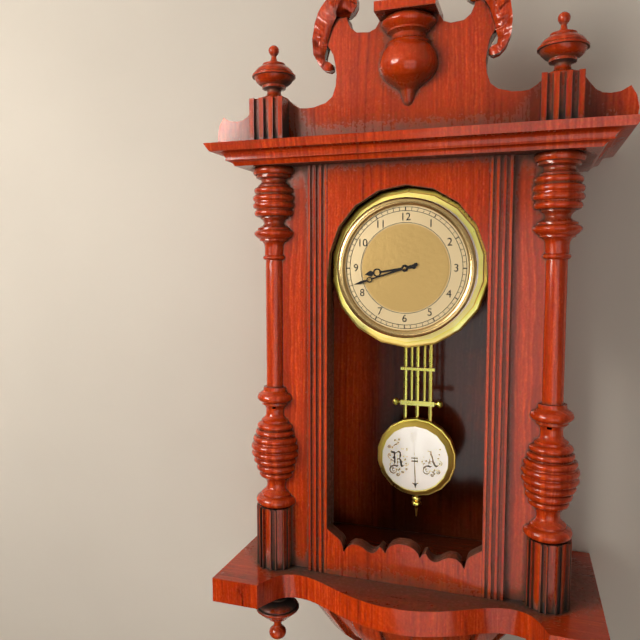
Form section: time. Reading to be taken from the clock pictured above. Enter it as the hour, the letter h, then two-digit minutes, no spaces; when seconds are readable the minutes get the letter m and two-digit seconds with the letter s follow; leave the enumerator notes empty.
8h42
